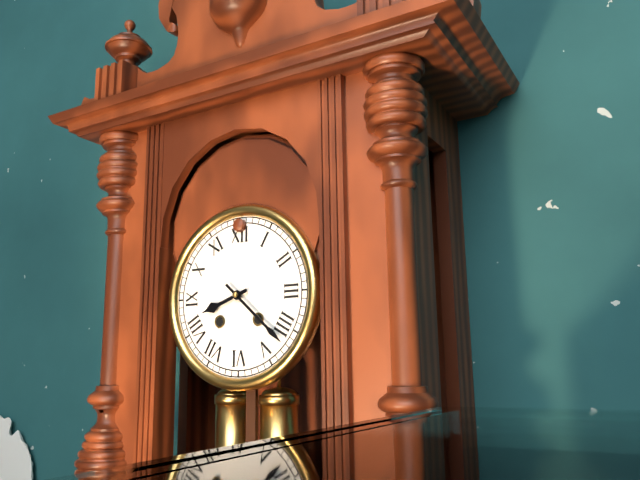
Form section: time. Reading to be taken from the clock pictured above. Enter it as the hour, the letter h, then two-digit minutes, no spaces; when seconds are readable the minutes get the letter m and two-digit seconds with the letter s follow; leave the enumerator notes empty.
8h22
